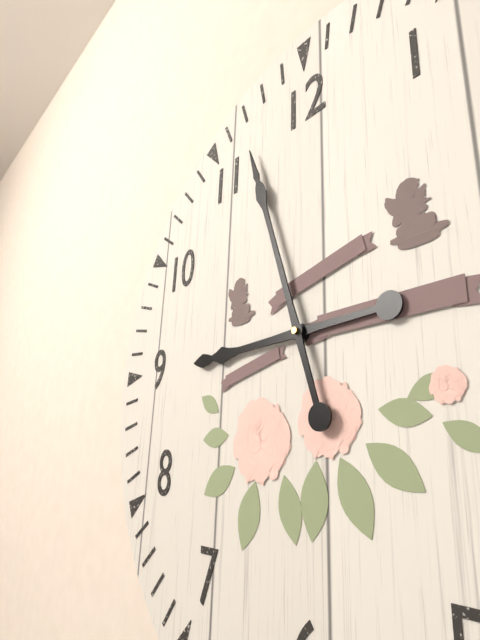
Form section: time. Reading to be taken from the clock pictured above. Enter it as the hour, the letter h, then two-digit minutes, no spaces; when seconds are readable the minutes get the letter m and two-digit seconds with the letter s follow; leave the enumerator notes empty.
8h57
